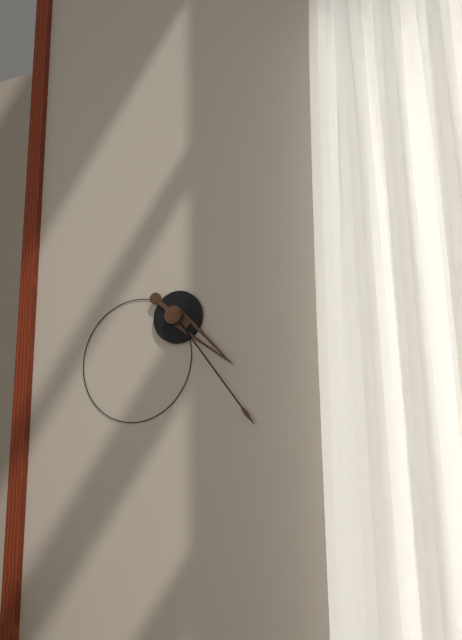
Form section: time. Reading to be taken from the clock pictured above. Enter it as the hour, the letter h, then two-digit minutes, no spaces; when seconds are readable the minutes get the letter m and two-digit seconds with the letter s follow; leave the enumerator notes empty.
4h24
